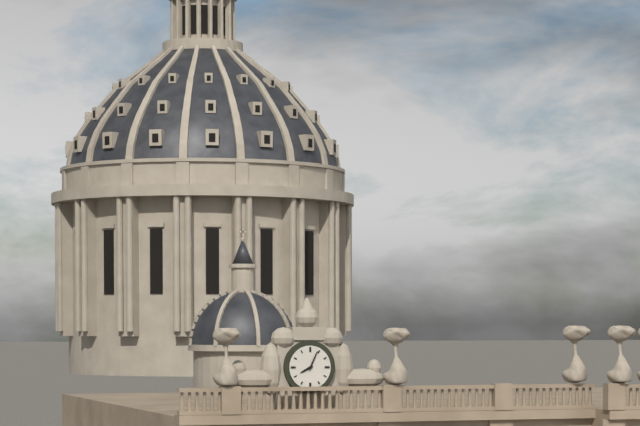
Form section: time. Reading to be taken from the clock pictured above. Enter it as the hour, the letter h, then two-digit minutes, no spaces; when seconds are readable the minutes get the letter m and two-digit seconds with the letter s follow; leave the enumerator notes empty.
8h04
